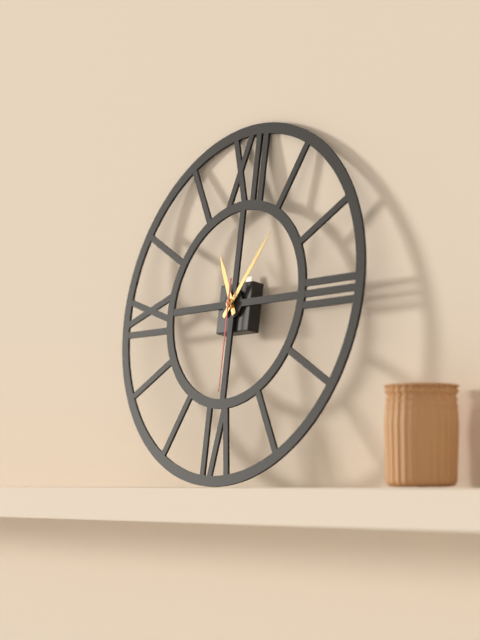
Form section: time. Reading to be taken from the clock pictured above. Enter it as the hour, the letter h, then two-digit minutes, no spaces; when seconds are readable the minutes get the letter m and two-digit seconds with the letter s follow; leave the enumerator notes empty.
11h06m30s
